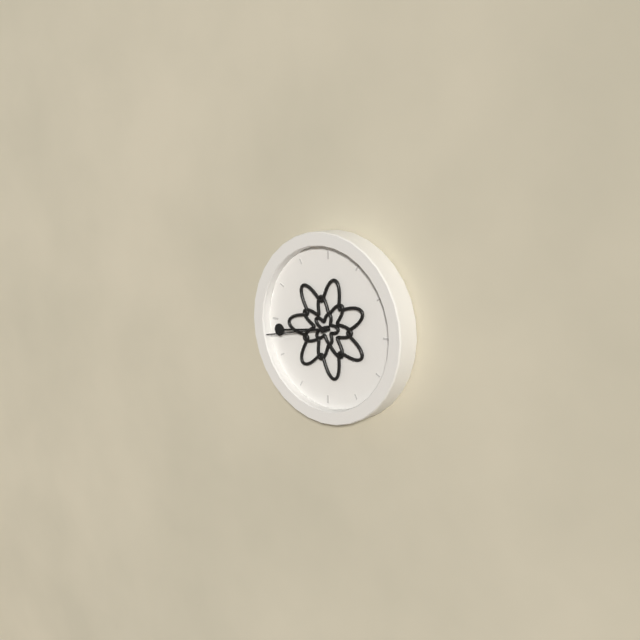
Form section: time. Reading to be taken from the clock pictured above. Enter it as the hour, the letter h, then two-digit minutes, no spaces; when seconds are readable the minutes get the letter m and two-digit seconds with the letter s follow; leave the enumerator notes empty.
8h43
